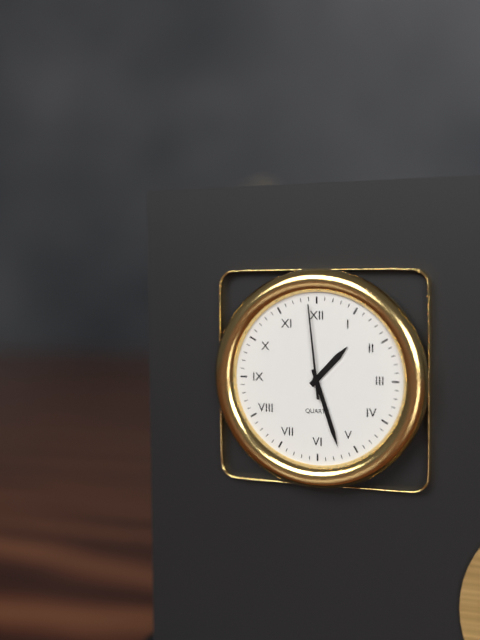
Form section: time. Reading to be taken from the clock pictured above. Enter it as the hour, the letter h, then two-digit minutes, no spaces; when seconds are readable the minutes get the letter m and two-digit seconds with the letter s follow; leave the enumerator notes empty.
1h27m59s
